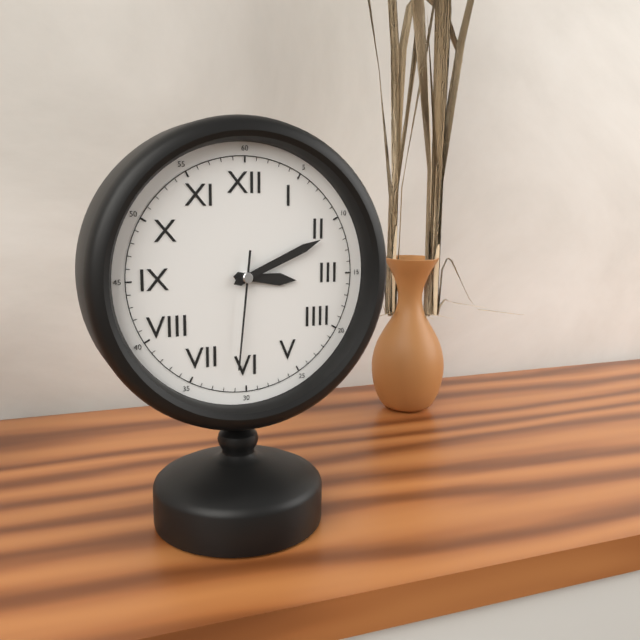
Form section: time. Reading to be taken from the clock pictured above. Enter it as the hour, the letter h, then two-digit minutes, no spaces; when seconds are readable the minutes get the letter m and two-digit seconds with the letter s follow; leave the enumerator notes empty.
3h11m31s
